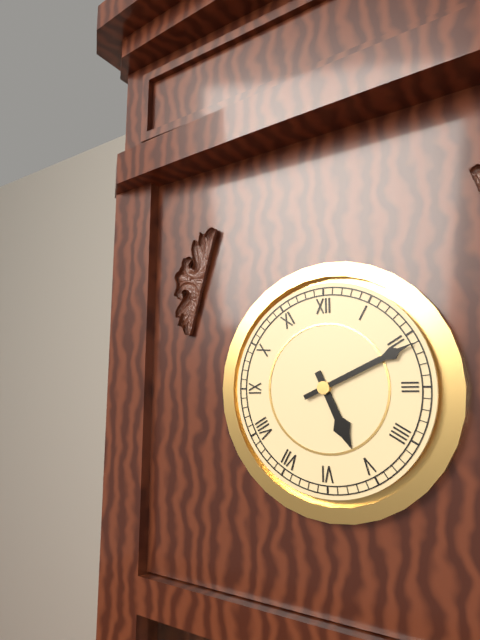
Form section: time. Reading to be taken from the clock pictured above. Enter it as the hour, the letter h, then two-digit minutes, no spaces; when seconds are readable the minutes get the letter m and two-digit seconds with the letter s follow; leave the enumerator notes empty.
5h11
